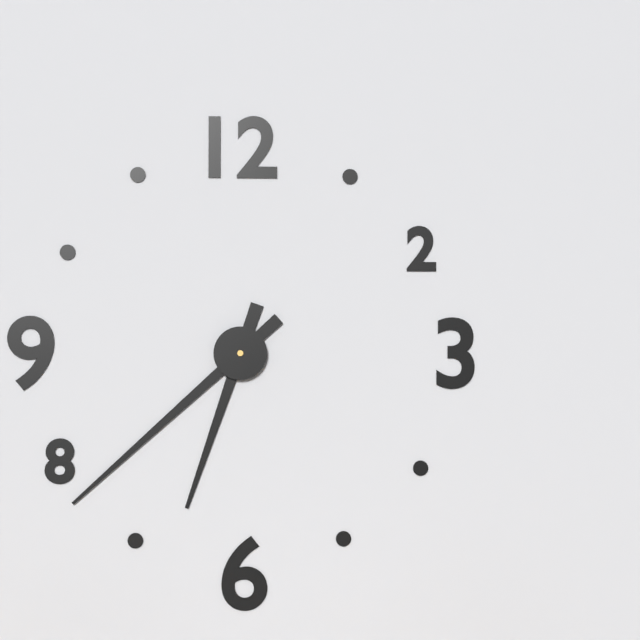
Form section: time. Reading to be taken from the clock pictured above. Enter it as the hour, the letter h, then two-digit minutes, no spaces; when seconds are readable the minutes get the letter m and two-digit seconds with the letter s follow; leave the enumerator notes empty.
6h38
